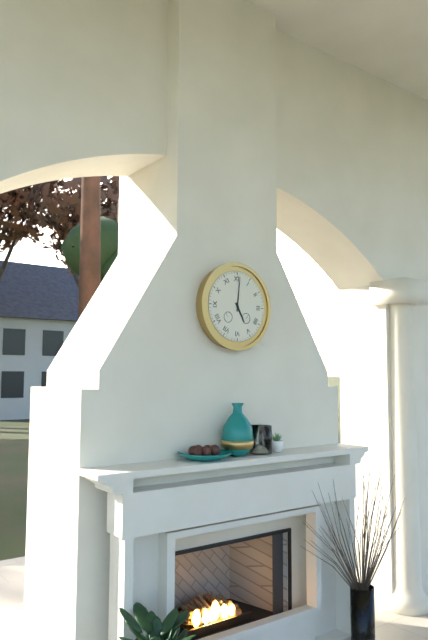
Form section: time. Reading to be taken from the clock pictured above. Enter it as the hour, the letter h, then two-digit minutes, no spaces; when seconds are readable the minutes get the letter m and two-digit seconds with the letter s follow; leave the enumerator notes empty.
5h01
